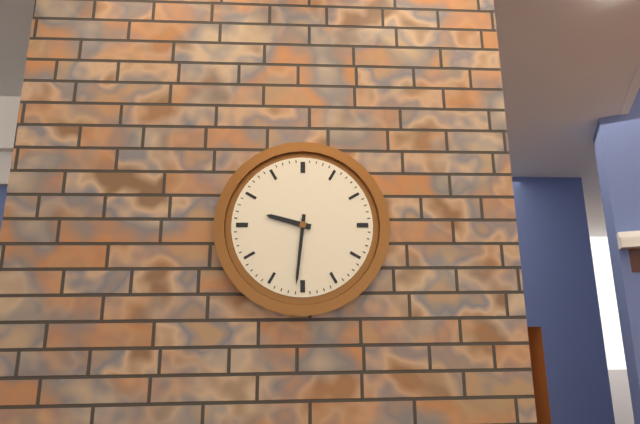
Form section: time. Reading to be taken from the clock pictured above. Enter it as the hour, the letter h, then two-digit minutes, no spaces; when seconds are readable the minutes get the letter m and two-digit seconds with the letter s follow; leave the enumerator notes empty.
9h31
